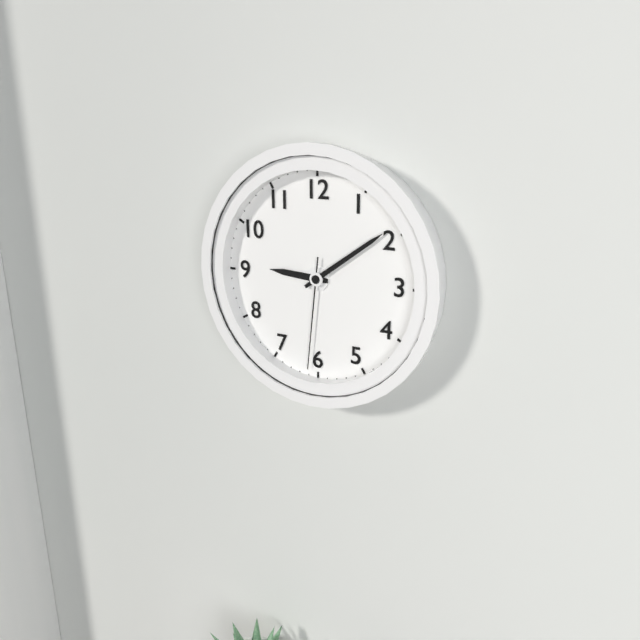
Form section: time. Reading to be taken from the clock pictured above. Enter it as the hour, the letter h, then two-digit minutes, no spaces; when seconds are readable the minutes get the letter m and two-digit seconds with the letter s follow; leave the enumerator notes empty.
9h09m31s
